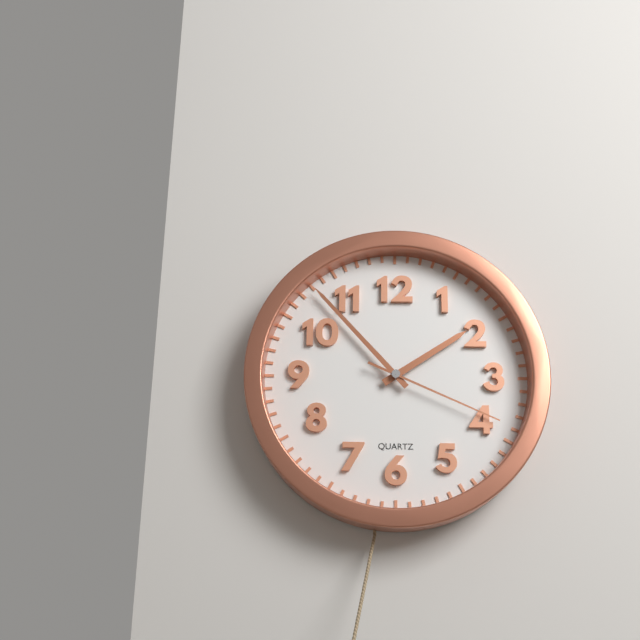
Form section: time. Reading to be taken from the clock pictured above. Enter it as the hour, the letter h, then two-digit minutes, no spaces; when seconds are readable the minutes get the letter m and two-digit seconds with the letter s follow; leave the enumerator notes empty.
1h53m19s
